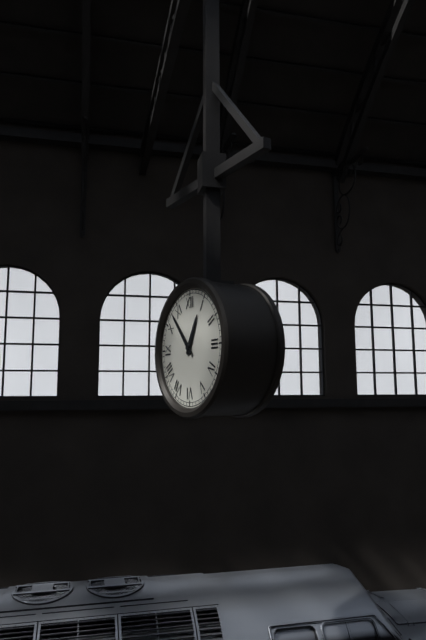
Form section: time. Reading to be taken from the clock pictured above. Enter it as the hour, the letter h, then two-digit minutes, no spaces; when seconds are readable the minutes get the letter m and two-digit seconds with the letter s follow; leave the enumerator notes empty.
12h53
